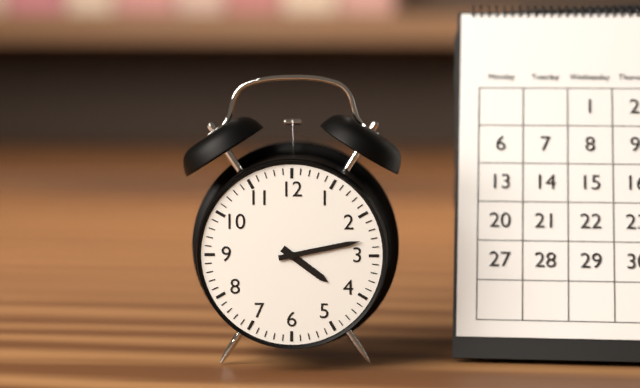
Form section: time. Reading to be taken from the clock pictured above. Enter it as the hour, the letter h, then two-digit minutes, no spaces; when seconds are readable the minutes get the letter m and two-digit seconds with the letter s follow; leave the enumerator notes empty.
4h13
